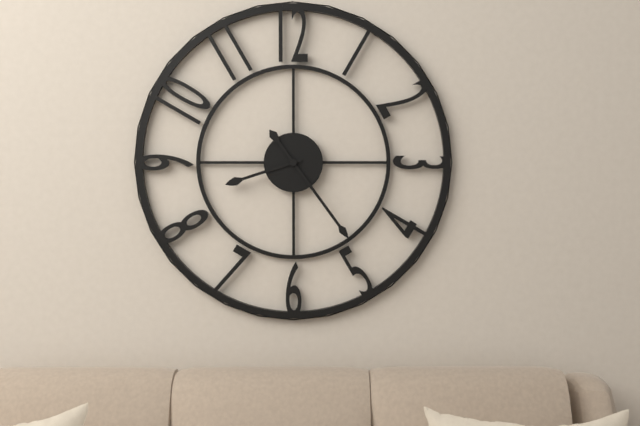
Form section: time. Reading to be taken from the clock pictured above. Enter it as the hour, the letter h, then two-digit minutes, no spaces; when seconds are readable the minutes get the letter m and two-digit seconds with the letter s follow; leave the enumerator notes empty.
8h24
